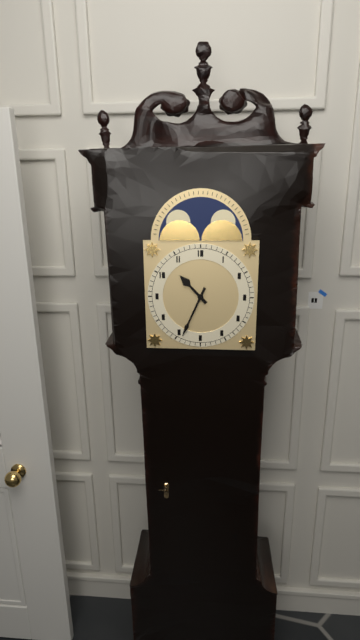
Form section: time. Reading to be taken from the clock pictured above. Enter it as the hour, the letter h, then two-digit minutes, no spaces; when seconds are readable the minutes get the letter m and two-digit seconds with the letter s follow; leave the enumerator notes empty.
10h34
